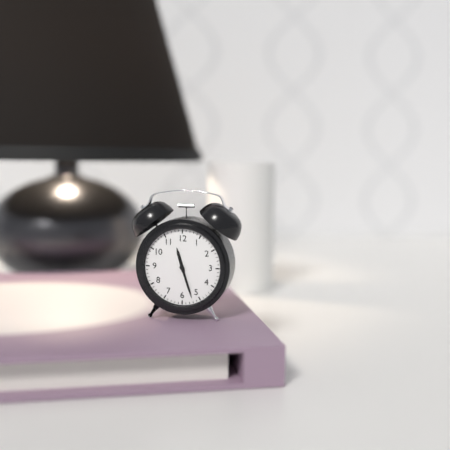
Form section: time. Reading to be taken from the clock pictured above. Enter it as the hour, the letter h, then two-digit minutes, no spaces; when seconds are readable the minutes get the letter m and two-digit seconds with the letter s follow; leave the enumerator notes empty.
11h27
